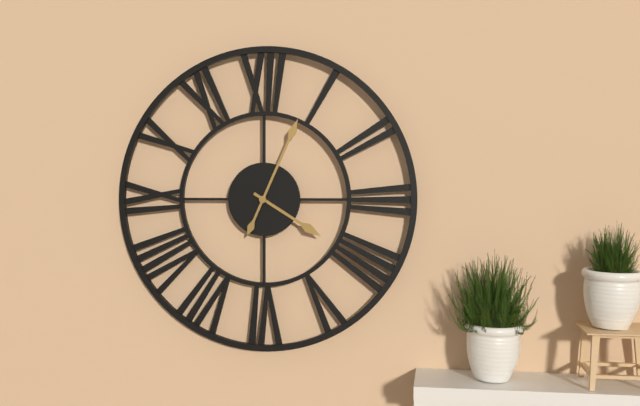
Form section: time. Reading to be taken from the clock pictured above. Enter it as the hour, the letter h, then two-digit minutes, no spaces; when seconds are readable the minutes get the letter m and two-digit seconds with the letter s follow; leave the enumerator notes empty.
4h04
